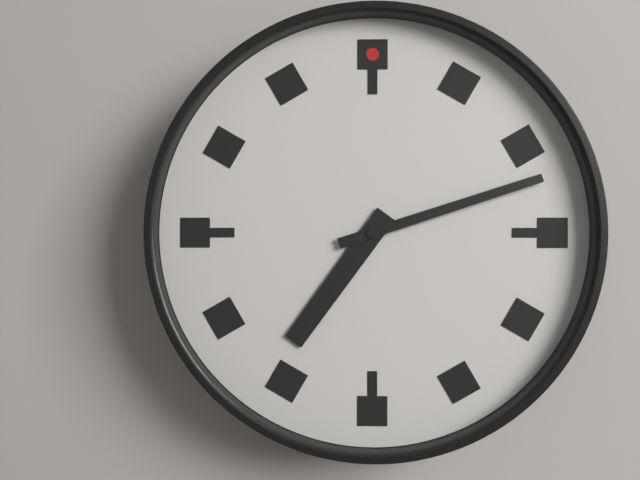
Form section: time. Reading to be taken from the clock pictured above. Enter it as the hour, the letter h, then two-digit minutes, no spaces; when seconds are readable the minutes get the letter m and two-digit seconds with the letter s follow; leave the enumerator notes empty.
7h12
